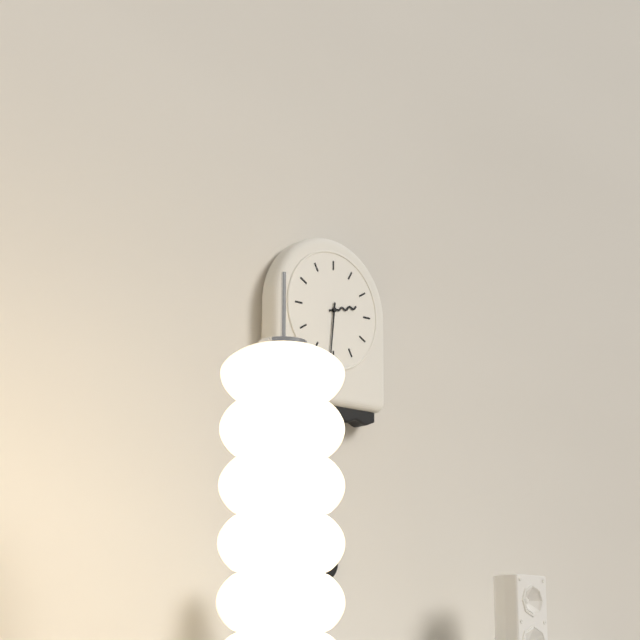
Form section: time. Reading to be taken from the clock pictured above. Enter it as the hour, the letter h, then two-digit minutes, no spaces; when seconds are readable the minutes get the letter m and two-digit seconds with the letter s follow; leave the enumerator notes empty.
2h31
